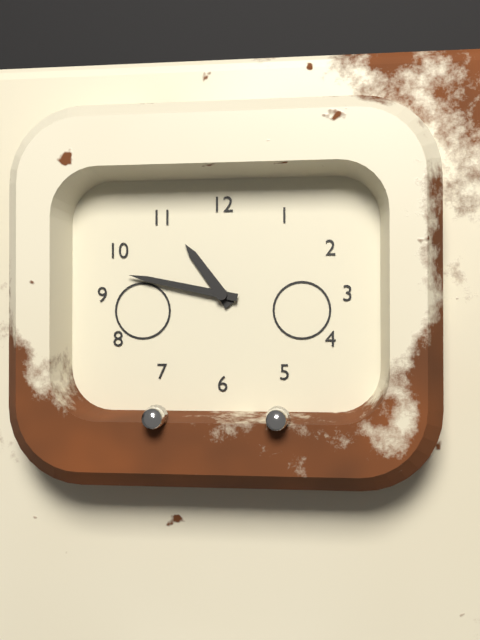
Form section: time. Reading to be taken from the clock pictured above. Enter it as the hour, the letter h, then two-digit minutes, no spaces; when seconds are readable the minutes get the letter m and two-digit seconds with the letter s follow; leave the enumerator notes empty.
10h47
